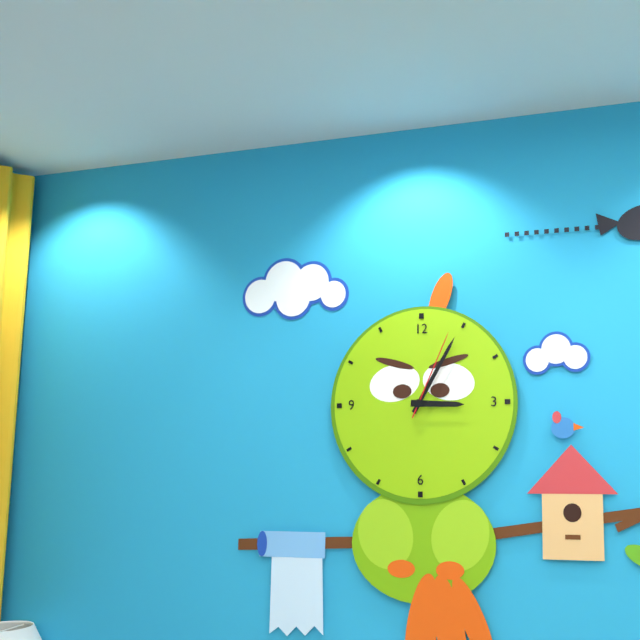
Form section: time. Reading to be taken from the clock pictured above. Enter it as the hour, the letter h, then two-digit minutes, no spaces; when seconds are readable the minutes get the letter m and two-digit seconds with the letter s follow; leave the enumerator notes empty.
3h05m04s
